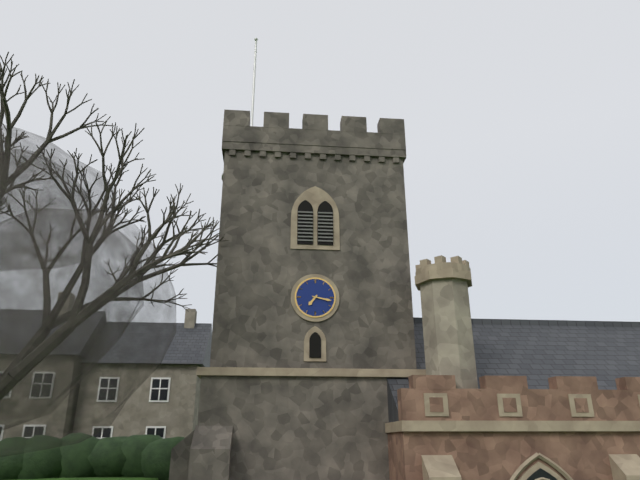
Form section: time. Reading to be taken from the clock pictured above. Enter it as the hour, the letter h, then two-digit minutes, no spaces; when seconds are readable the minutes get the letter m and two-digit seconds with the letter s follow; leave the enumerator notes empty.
7h17
